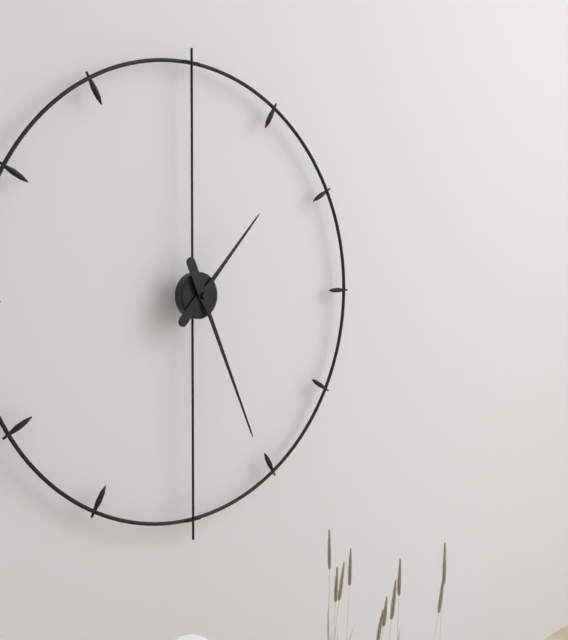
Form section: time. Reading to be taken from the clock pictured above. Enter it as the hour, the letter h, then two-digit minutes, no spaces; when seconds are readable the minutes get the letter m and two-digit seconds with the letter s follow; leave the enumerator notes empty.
1h26
